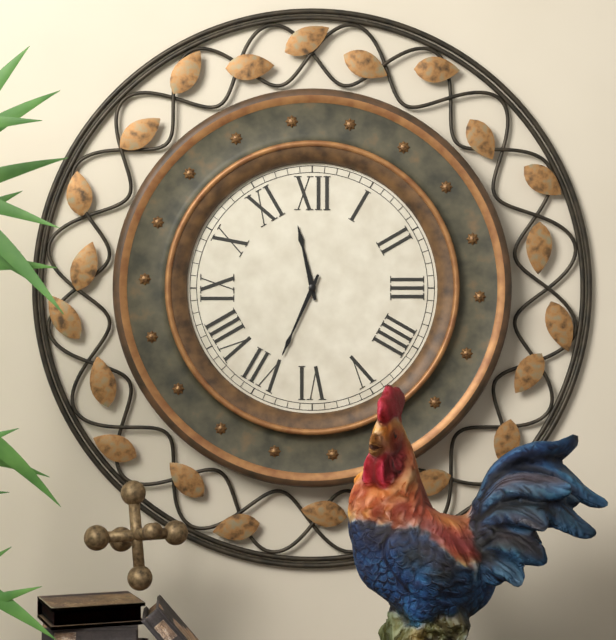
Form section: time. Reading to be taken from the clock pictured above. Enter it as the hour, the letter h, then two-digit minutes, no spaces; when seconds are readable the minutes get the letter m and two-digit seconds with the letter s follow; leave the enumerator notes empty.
11h34
